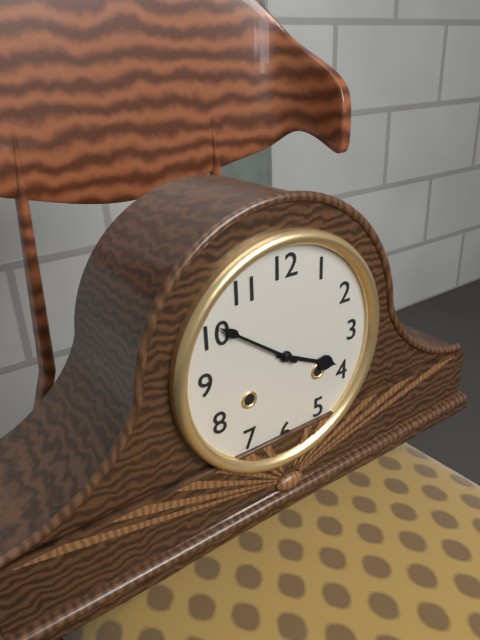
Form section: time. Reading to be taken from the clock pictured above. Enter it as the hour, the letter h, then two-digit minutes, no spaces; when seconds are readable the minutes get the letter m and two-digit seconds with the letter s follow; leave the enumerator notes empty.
3h51
